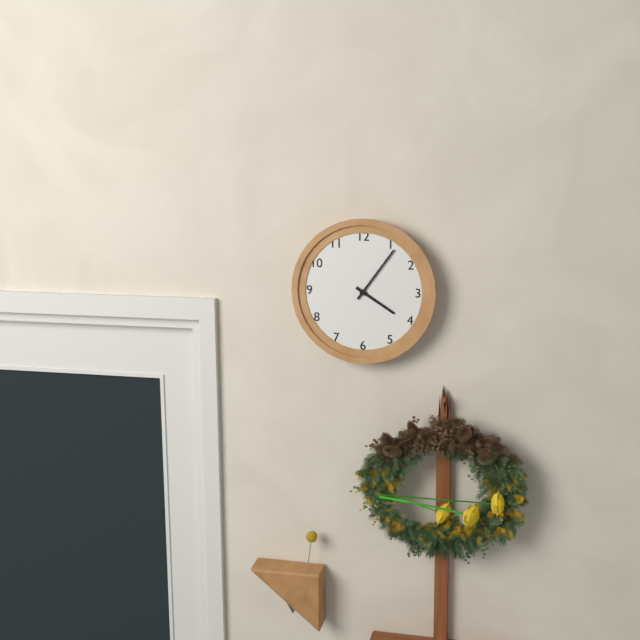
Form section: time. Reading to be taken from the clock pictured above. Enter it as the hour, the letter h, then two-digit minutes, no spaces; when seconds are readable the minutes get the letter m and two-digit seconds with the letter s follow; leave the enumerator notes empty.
4h06
